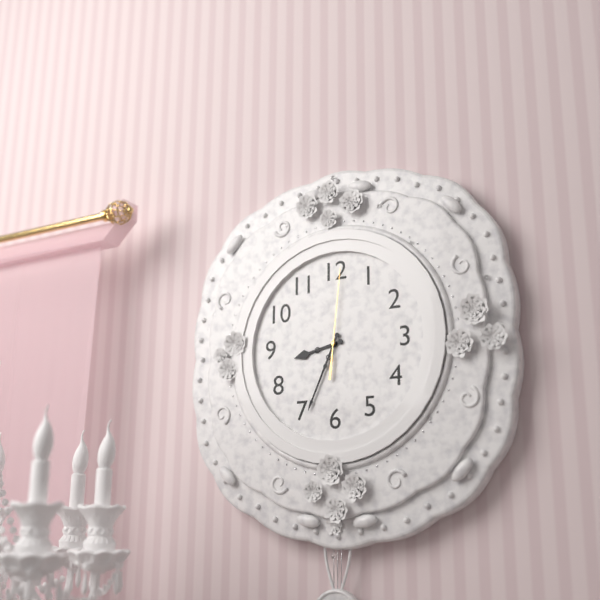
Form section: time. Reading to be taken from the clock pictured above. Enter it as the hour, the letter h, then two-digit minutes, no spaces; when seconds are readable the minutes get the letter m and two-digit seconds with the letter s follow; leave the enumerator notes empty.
8h34m01s
